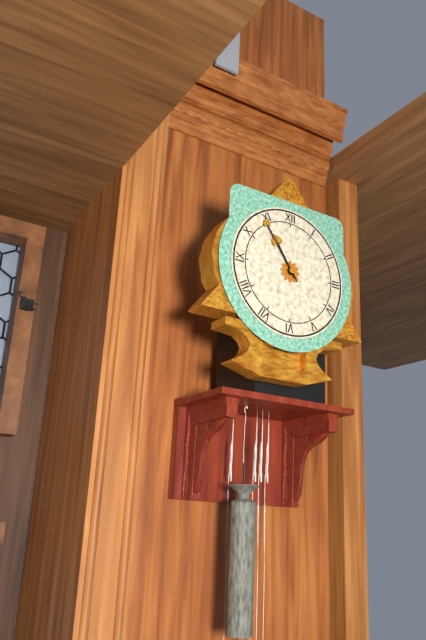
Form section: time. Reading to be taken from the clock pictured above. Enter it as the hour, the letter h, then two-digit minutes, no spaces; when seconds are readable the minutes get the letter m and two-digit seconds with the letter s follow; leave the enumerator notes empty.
10h54
